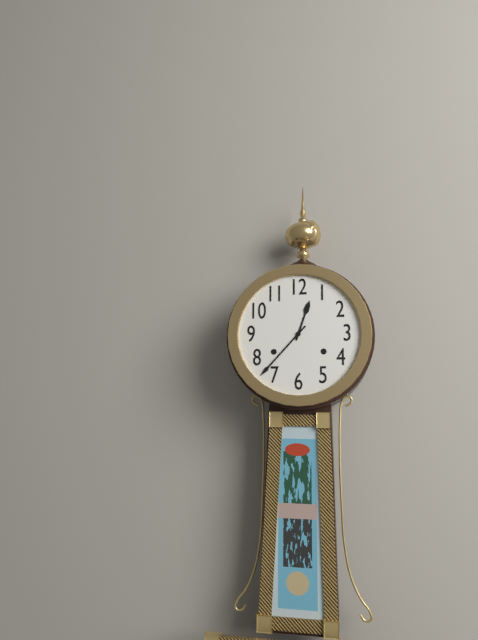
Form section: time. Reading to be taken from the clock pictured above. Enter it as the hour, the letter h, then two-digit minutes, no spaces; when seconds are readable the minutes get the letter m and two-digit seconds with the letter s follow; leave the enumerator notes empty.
12h37
